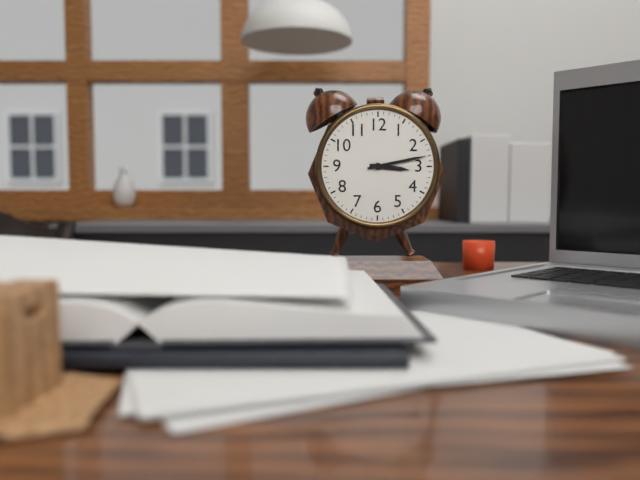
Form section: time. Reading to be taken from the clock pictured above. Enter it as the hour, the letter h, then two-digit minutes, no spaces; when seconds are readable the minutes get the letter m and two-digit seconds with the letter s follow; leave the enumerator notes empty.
3h13
